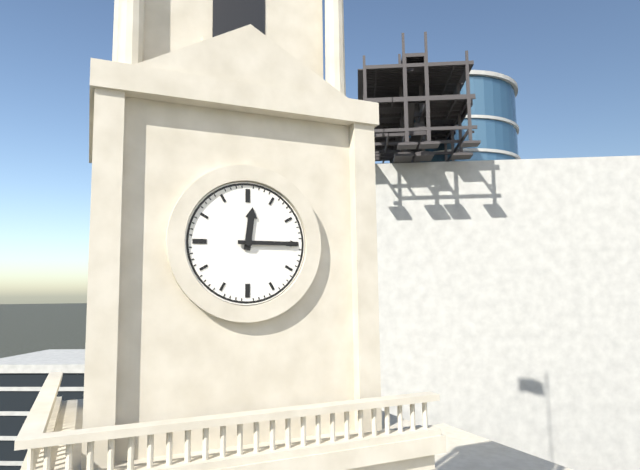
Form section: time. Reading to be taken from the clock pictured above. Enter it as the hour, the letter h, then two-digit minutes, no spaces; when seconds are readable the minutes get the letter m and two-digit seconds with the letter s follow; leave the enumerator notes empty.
12h15
